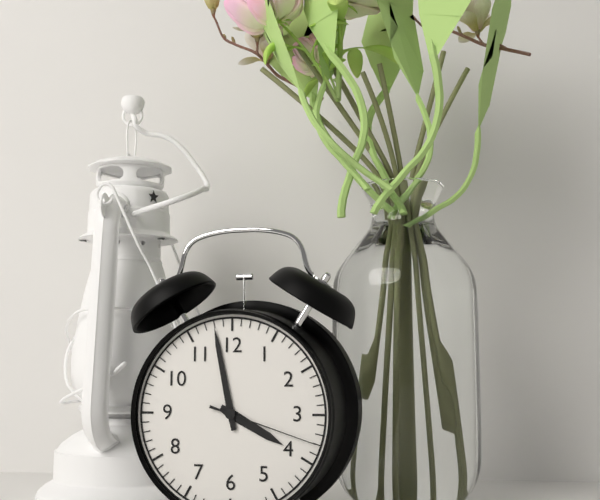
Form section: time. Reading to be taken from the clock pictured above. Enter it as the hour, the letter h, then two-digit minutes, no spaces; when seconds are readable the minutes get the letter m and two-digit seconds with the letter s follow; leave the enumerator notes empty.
3h58m18s
